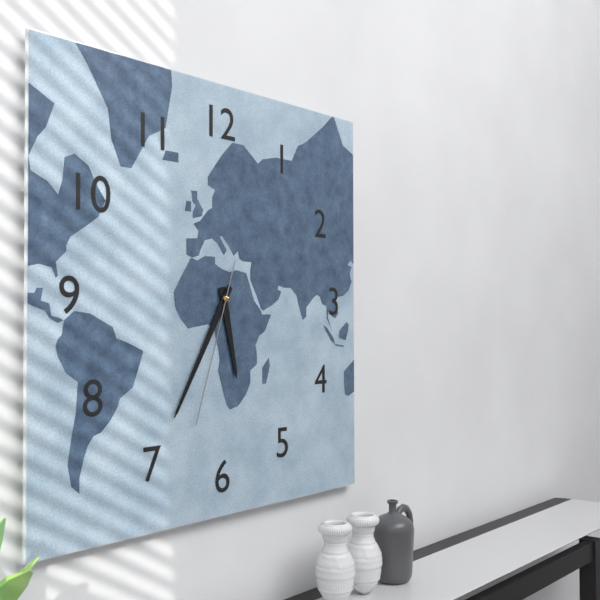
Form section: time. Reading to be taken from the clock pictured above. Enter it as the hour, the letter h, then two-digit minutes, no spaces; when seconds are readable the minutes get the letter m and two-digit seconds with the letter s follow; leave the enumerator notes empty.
5h35m33s
